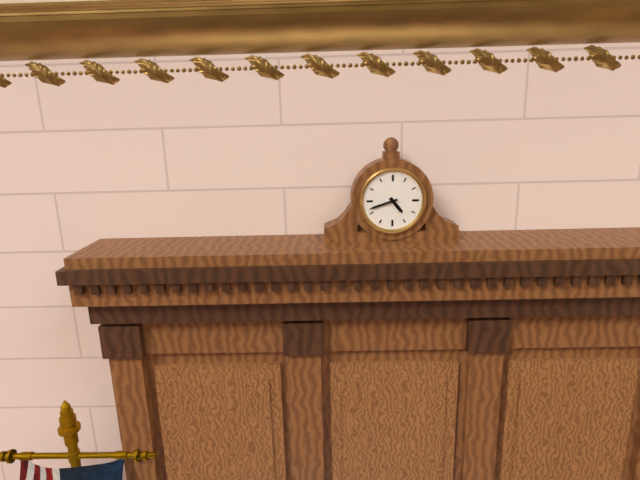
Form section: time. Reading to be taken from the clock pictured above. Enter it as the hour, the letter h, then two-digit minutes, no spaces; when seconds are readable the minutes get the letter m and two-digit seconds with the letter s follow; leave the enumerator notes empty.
4h42
